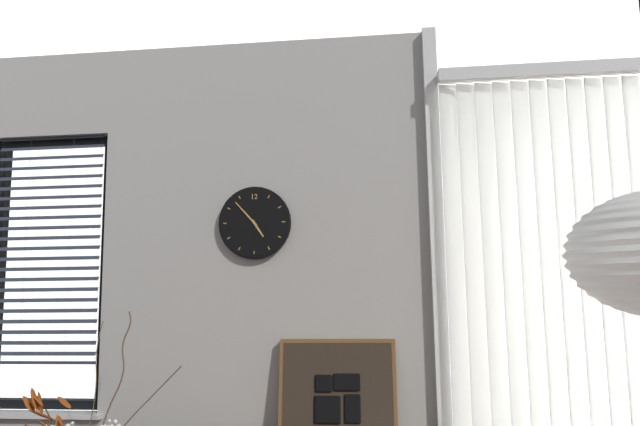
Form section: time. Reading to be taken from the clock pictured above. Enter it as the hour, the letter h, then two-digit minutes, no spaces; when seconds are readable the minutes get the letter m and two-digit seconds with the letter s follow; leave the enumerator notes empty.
4h53
